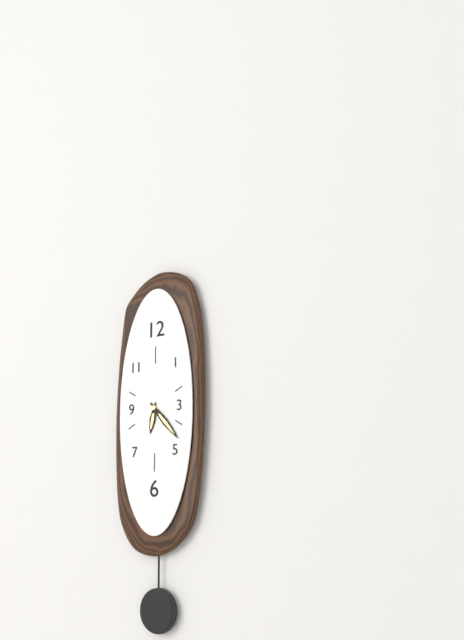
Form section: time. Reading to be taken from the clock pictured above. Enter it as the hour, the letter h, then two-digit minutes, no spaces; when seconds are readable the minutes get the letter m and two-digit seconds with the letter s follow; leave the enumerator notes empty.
6h23
